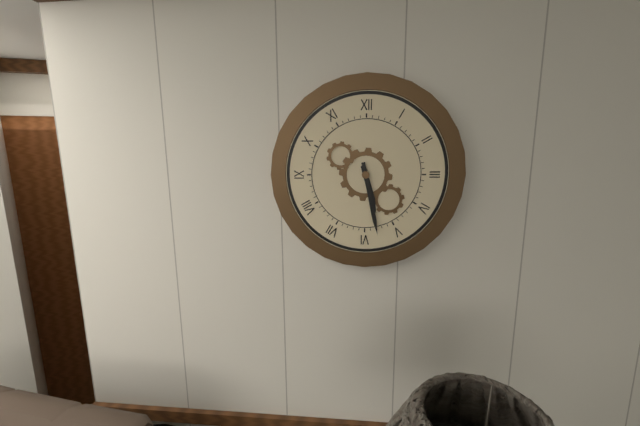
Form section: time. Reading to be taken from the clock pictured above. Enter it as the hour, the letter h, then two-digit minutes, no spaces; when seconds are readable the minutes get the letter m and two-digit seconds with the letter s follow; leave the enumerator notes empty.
5h28
